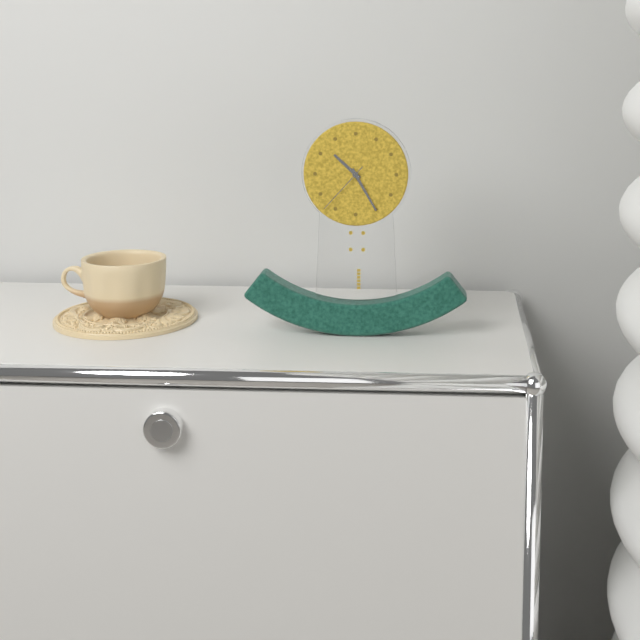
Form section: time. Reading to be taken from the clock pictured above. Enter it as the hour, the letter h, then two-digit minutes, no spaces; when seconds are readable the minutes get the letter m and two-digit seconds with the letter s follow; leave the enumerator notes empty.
10h25m37s
